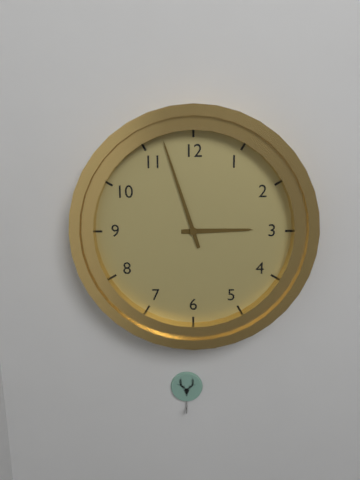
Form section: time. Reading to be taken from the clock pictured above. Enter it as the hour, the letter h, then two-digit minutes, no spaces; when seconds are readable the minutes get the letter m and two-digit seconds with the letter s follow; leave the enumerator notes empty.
2h57
